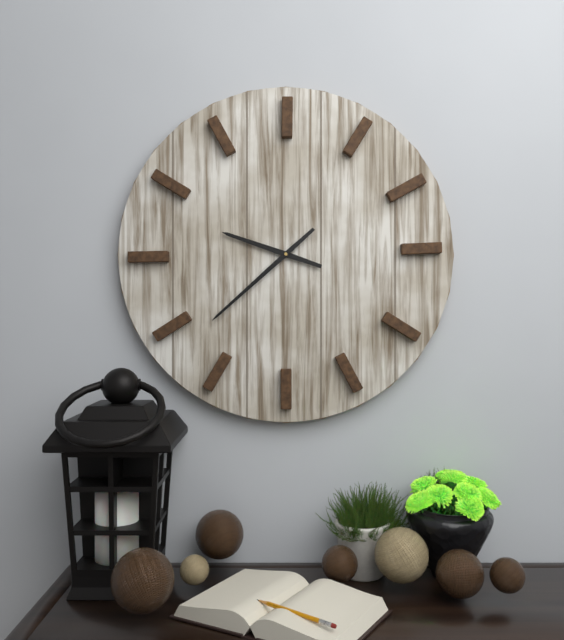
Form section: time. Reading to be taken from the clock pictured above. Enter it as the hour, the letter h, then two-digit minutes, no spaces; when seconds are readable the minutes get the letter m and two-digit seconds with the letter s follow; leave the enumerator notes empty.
9h38
